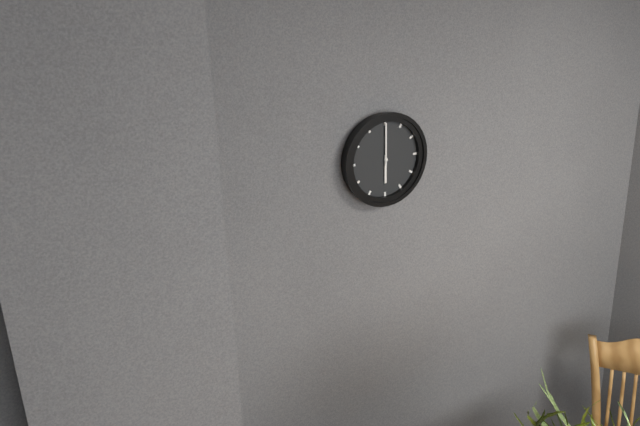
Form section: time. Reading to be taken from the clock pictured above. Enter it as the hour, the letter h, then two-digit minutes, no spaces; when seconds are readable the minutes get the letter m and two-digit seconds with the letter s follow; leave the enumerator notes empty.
6h00
